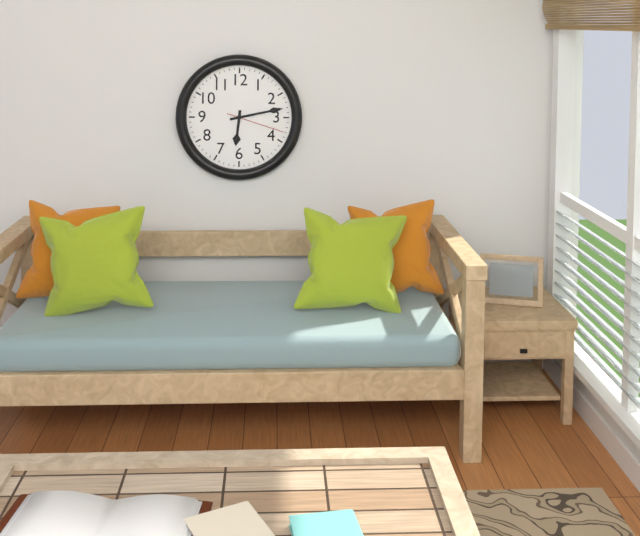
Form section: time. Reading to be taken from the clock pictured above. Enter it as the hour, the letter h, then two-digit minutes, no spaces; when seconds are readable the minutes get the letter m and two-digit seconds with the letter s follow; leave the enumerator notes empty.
6h13m18s
